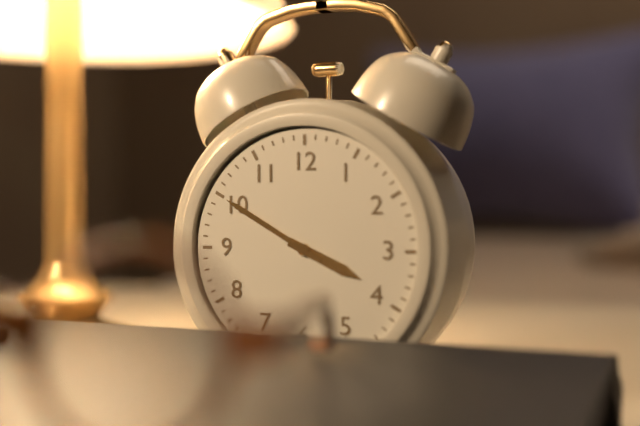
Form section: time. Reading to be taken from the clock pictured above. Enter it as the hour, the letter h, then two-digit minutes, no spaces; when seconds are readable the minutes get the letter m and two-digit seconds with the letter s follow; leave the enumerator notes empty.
3h50
